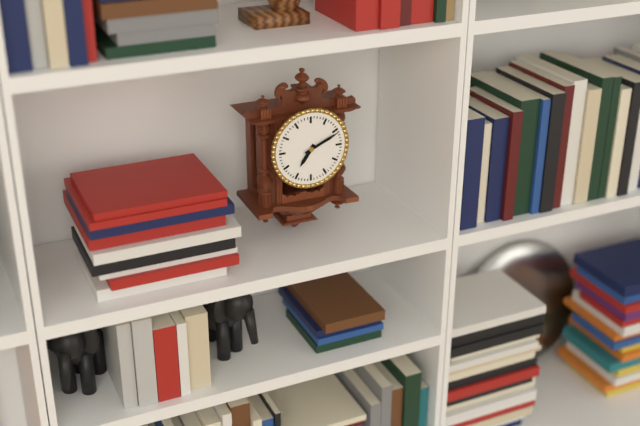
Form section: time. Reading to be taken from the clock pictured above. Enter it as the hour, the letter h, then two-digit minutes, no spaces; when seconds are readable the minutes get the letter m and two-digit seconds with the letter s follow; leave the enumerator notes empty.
7h11
